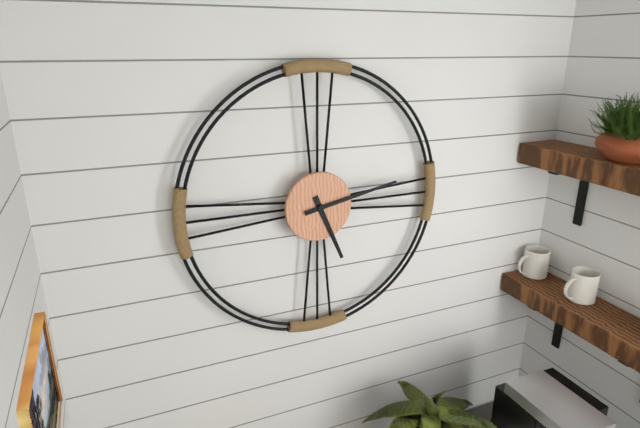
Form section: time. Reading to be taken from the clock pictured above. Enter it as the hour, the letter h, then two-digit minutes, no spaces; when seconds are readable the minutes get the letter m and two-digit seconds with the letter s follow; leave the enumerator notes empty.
5h13
